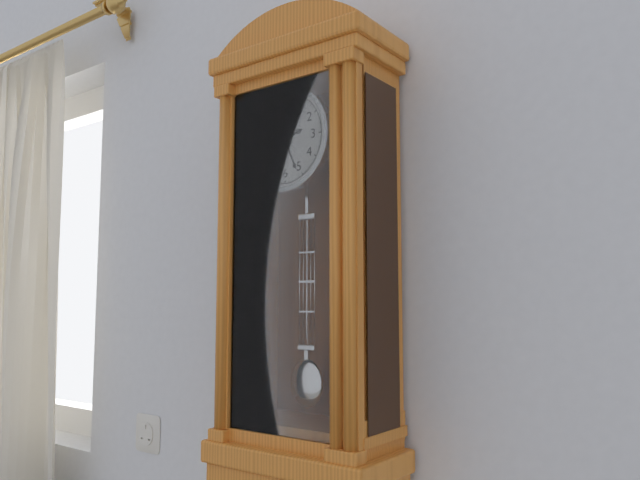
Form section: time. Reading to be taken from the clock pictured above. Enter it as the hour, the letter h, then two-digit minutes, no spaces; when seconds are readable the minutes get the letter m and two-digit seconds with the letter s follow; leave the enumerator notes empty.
2h26
